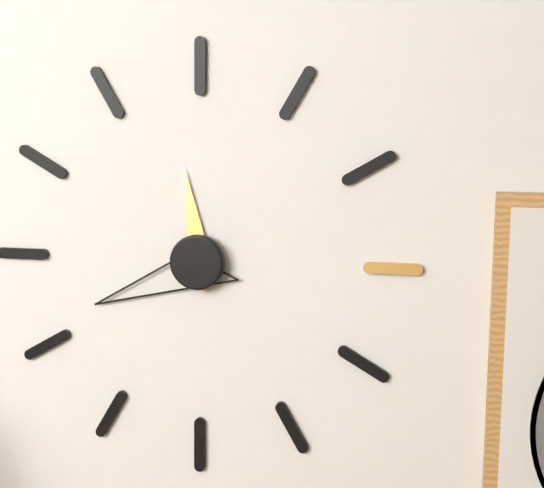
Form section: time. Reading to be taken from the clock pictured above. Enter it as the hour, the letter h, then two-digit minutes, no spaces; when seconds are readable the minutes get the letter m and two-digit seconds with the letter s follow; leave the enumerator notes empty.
11h41
